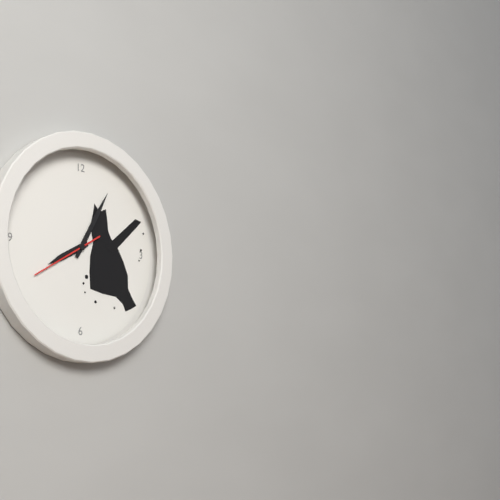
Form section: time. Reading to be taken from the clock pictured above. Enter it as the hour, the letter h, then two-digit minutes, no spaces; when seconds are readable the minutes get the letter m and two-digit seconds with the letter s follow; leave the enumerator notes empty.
8h05m40s
